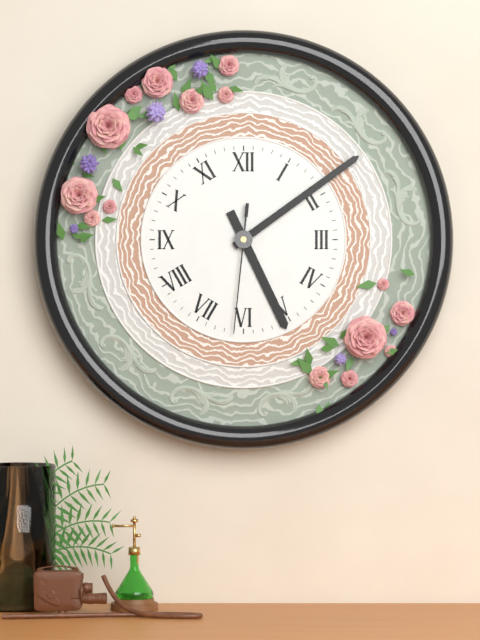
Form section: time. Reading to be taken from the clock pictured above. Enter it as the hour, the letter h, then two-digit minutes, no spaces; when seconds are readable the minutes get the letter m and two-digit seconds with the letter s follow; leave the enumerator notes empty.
5h09m31s
